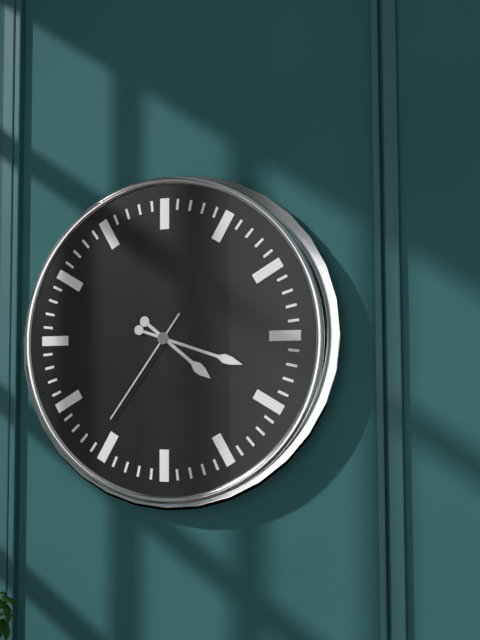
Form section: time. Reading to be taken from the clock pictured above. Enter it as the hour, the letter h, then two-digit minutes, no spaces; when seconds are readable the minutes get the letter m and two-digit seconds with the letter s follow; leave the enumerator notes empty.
4h18m36s
